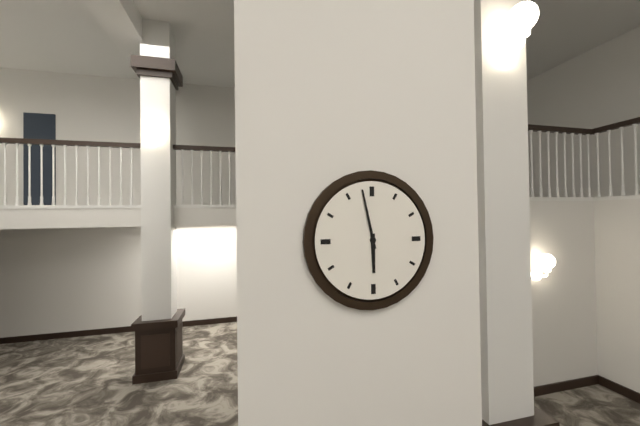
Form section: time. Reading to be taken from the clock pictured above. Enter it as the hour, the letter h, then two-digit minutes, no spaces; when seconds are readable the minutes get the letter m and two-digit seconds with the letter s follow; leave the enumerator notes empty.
5h58
